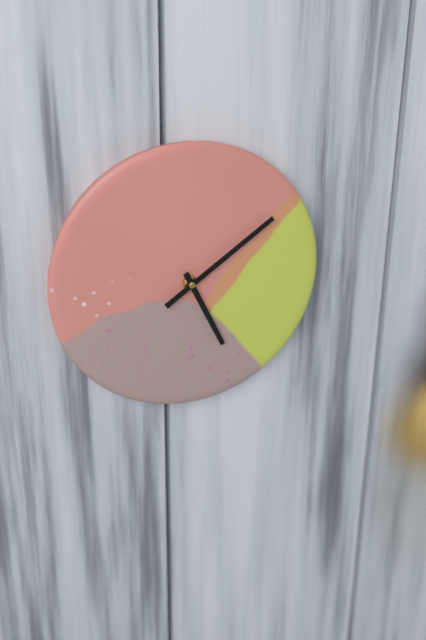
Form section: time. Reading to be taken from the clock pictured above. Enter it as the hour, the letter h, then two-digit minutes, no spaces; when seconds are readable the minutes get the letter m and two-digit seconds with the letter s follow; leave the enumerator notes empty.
5h09
